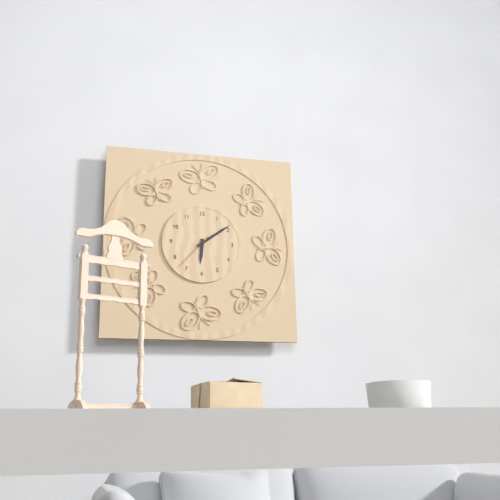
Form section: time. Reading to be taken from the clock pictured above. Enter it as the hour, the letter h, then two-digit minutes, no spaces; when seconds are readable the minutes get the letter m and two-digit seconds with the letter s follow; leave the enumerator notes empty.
6h09
